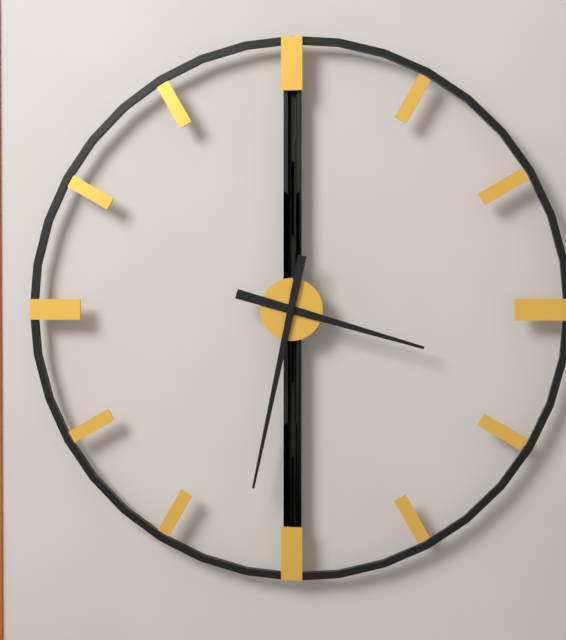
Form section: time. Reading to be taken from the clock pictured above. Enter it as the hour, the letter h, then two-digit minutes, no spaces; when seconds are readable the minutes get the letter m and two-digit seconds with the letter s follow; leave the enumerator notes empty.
3h32
